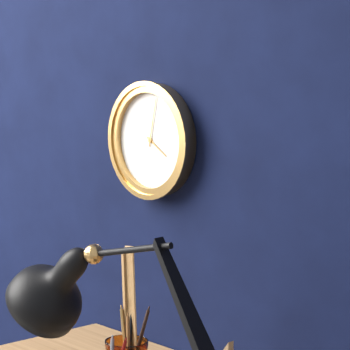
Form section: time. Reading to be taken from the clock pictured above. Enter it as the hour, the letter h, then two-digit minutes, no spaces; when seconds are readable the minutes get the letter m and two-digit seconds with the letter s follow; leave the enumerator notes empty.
4h02
